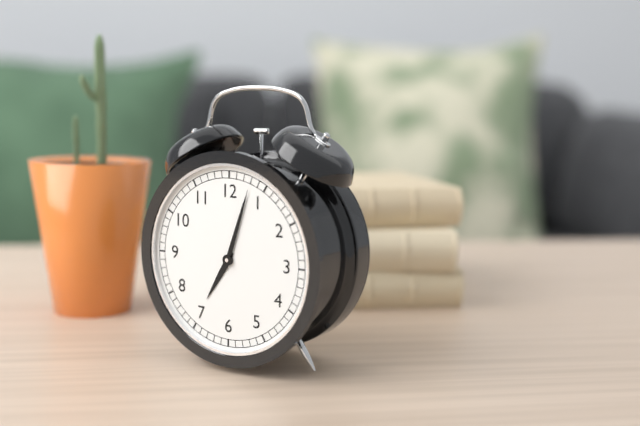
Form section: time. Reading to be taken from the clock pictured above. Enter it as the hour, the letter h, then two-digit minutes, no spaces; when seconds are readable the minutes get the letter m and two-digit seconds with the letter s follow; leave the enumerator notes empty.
7h03
